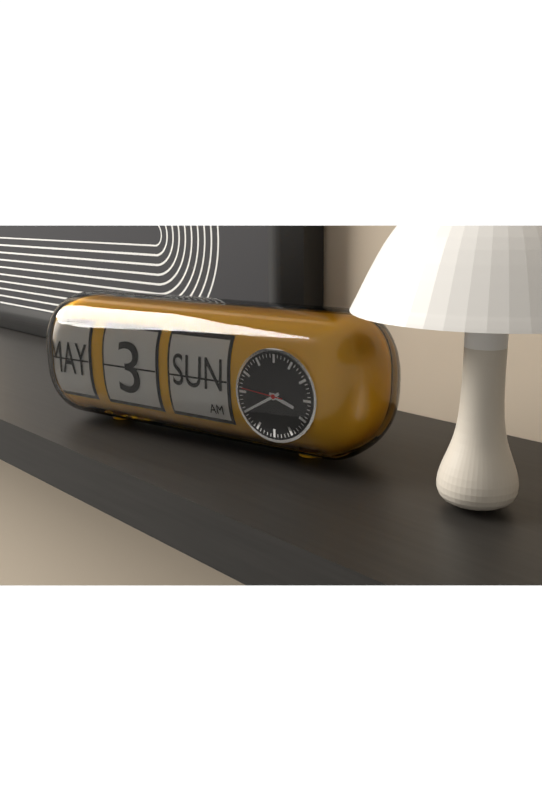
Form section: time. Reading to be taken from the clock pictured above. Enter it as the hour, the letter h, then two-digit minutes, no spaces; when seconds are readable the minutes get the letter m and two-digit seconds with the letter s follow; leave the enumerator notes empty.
3h40m46s
